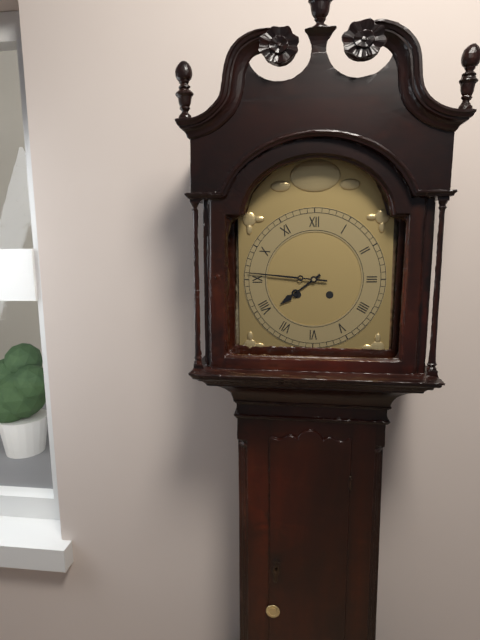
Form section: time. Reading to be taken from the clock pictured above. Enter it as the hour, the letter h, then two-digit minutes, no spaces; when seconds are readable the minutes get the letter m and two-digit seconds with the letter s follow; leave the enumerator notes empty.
7h46
